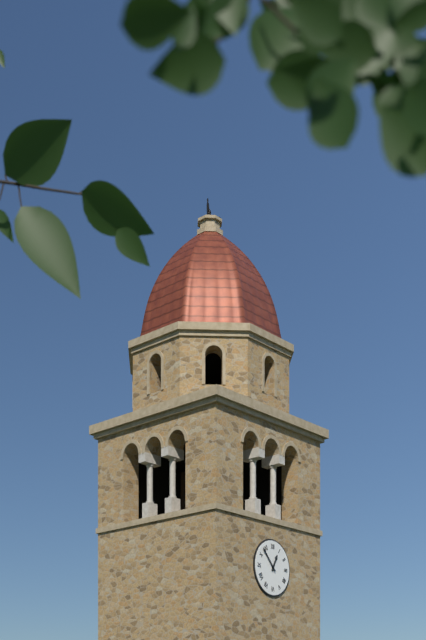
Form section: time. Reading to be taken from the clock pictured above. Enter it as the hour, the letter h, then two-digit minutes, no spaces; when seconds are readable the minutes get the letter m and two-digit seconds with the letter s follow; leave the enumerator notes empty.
12h53
